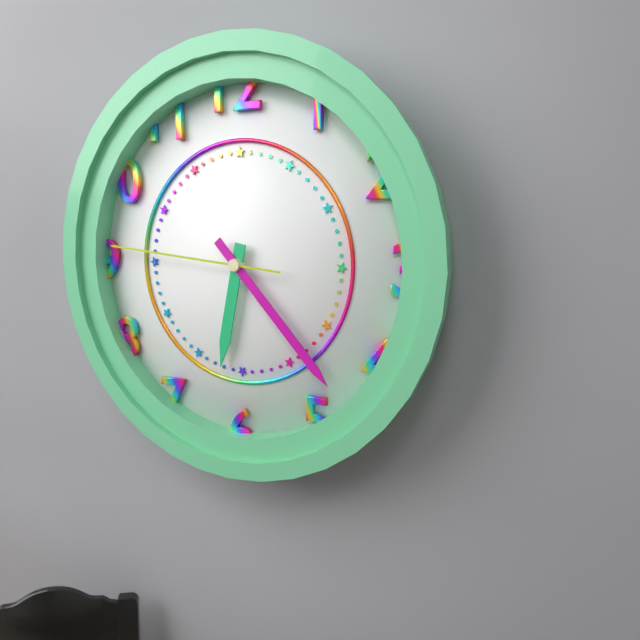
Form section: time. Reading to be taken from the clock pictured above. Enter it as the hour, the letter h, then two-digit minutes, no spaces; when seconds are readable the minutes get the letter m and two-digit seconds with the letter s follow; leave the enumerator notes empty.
6h23m46s
